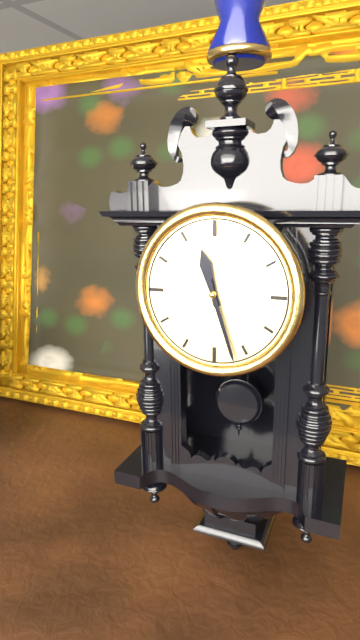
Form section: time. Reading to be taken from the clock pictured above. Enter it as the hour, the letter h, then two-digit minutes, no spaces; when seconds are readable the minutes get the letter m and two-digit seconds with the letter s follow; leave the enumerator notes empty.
11h27
